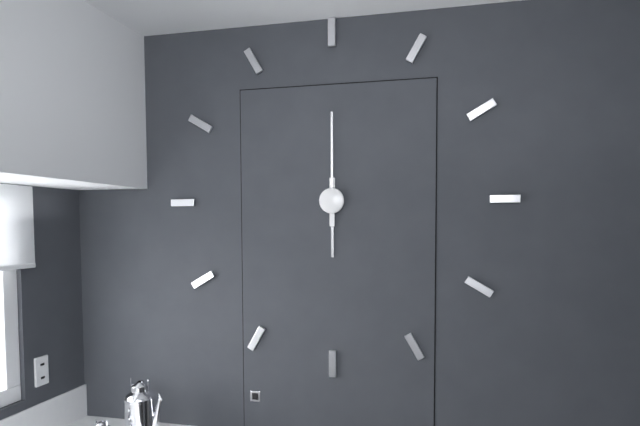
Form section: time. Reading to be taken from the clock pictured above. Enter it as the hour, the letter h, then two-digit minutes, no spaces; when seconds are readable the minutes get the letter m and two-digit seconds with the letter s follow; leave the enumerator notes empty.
6h00
